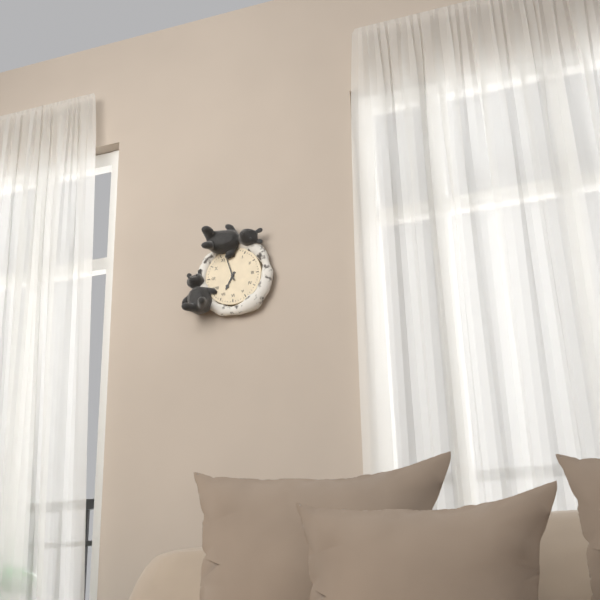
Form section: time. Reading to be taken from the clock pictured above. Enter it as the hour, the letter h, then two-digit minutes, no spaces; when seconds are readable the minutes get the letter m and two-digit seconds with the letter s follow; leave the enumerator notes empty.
6h57
